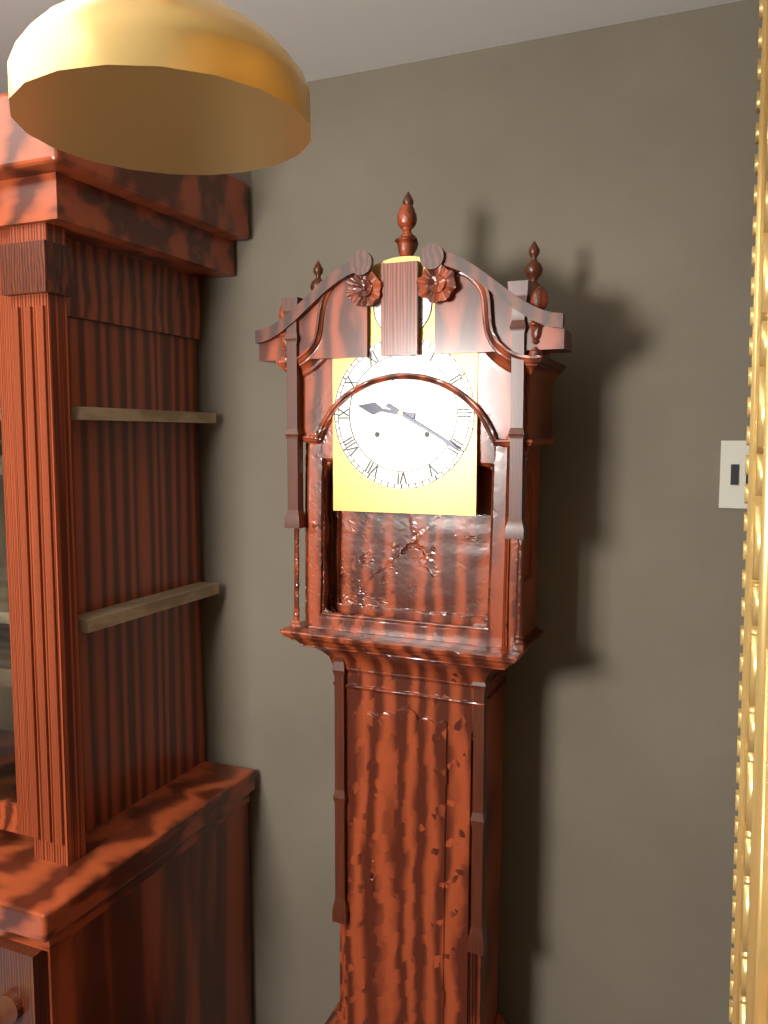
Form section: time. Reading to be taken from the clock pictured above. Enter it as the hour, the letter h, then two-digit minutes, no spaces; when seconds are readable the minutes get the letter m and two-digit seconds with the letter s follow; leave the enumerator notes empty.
9h20
